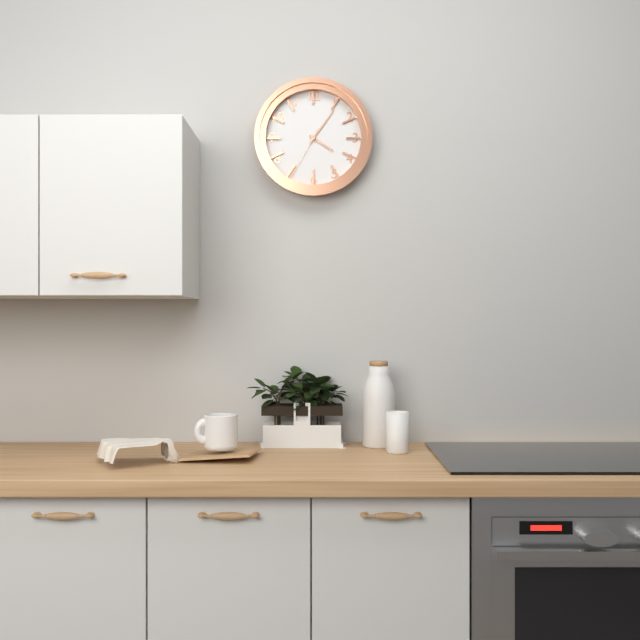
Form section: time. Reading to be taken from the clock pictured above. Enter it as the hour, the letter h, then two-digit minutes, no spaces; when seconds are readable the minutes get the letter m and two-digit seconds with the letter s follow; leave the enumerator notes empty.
4h06m35s
